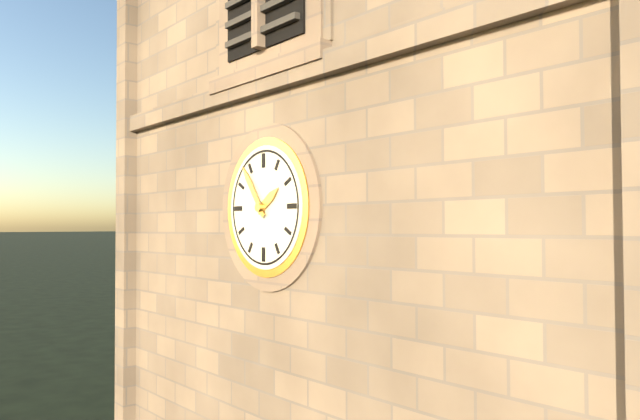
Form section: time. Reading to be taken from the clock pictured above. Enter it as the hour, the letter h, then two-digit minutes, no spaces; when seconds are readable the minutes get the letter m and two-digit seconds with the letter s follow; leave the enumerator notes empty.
1h54
